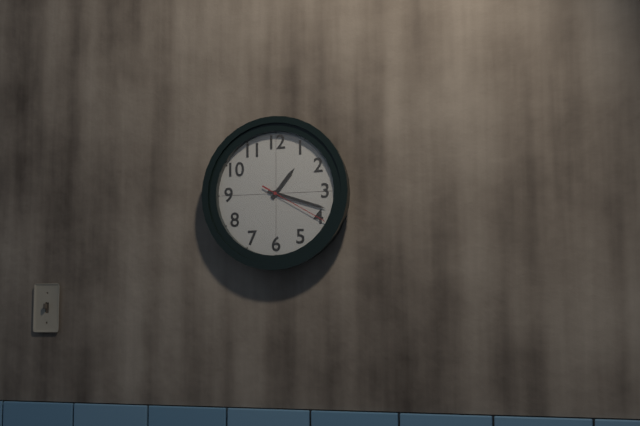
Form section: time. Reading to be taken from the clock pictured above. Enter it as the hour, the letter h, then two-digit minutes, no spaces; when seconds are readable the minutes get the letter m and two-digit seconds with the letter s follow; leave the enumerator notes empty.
1h18m20s
